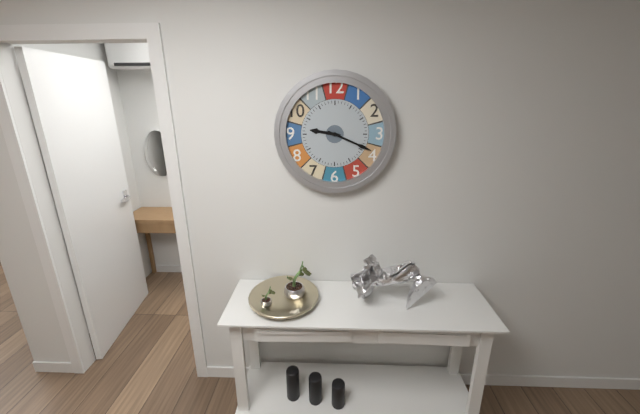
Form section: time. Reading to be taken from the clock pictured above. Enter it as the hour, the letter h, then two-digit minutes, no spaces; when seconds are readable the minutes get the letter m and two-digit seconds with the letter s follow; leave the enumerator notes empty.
9h19
